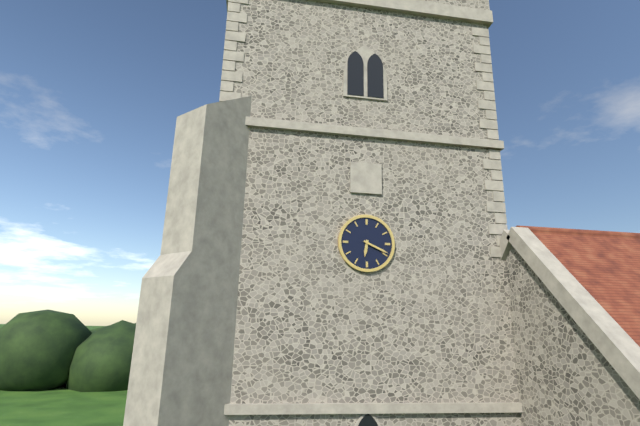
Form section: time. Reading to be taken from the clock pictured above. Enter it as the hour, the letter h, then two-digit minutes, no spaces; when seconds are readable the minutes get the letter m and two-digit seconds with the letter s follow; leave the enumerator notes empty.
6h19
